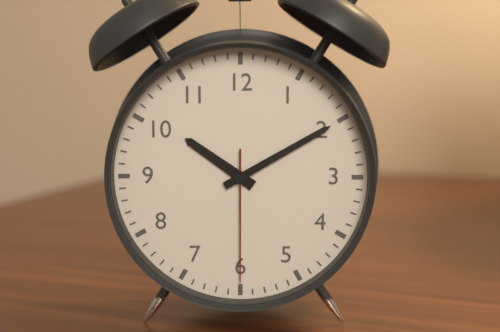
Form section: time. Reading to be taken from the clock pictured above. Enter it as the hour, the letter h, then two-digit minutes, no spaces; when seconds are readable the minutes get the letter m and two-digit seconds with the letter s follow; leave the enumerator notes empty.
10h10m30s
